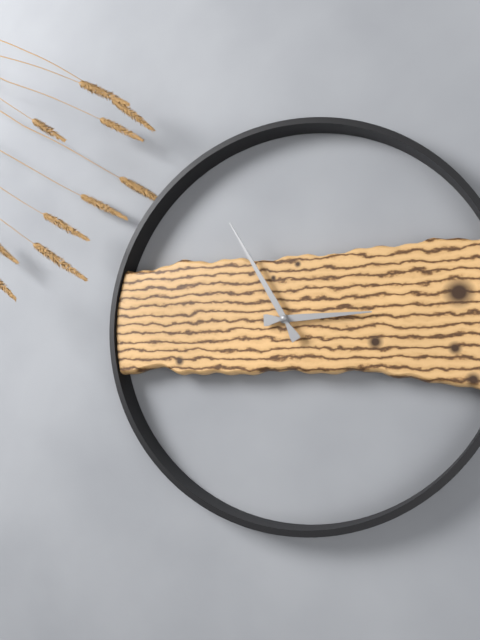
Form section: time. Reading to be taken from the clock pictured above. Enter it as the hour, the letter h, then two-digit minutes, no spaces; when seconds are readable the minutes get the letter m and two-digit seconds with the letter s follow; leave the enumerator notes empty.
2h55
